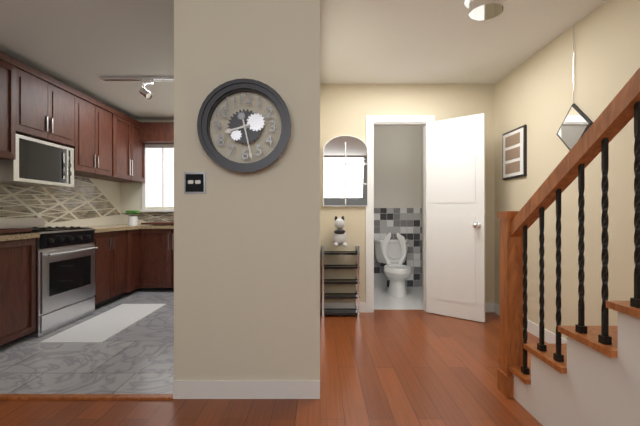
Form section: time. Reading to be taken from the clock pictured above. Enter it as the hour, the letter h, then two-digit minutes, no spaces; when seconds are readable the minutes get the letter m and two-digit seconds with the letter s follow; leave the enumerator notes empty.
8h28
